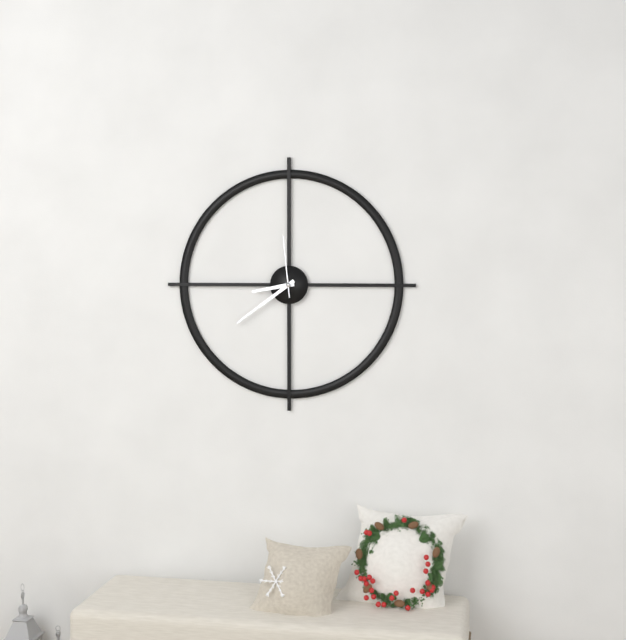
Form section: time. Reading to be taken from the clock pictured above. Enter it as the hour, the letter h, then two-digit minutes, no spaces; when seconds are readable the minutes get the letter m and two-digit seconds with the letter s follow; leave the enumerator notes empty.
8h39m59s
